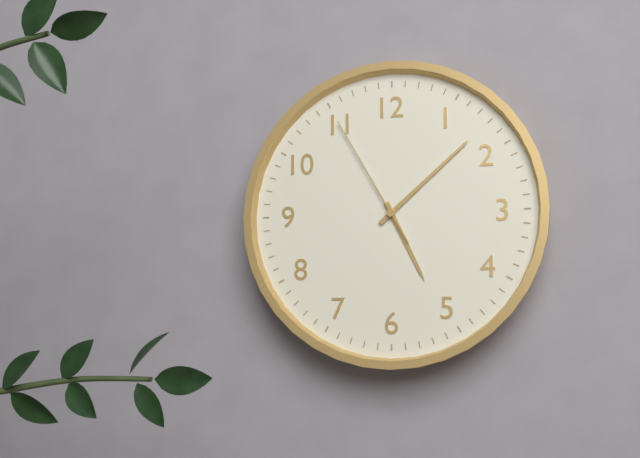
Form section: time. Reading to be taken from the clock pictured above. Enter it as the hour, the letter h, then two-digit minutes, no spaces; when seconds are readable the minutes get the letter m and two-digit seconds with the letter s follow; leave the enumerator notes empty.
5h08m55s
